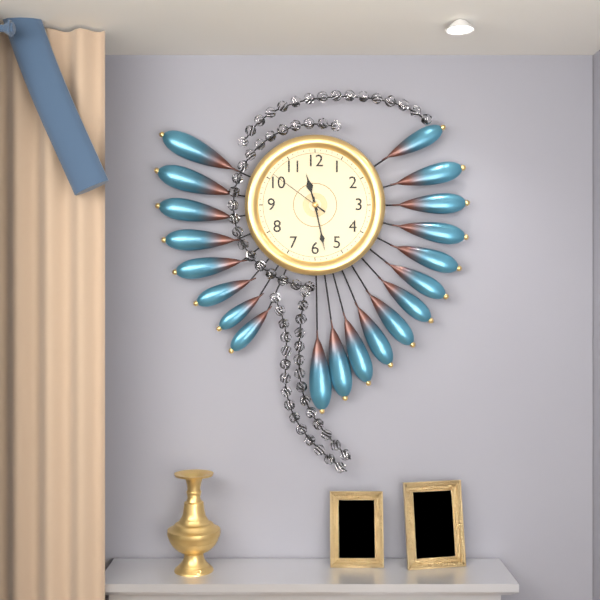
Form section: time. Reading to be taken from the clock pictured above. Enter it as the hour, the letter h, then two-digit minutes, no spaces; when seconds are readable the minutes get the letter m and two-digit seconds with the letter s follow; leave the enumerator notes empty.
11h28m51s
